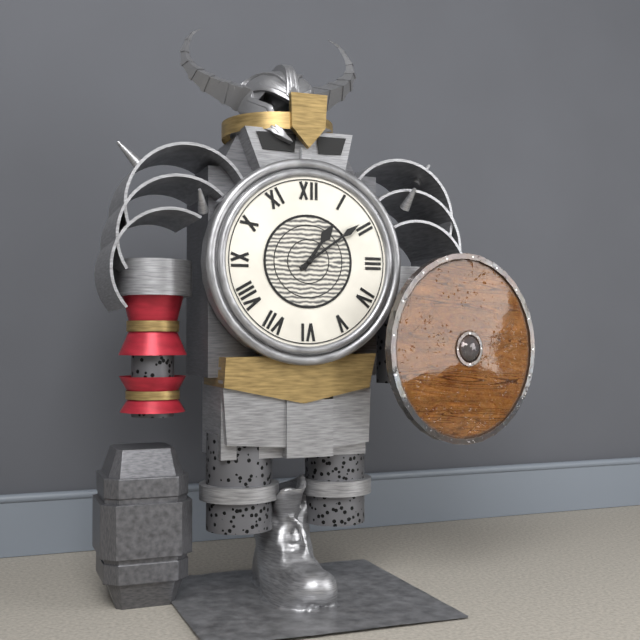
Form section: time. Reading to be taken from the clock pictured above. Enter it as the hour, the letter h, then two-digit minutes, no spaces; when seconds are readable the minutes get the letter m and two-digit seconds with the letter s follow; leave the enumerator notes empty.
1h09
